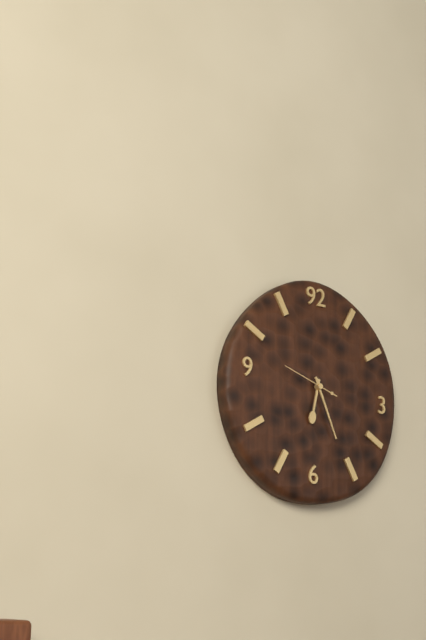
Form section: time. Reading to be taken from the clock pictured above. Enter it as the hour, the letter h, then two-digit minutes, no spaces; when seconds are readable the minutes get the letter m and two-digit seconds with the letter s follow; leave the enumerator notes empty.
6h26
